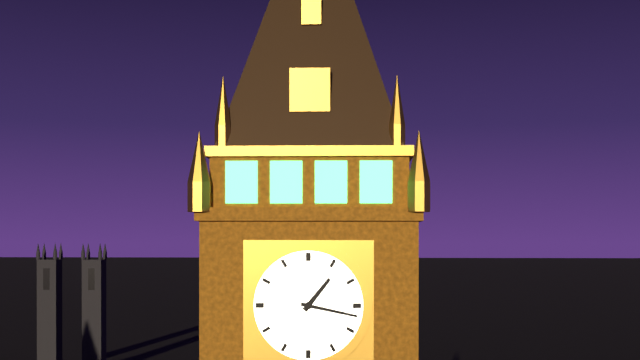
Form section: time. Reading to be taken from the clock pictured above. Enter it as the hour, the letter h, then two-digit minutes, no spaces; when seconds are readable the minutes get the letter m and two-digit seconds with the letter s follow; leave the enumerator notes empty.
1h17
